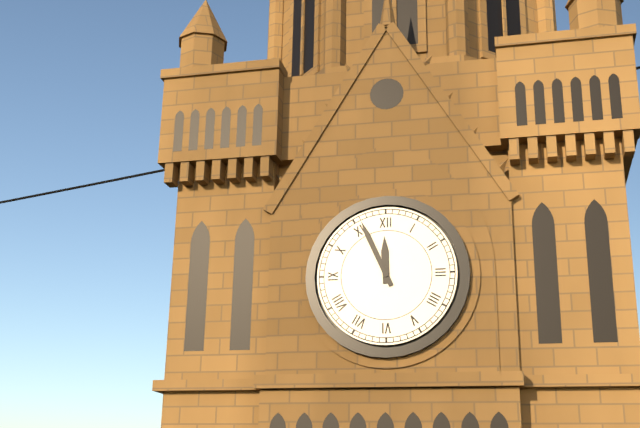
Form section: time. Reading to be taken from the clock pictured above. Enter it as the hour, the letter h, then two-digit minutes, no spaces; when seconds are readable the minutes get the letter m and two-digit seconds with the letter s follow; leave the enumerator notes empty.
11h56
